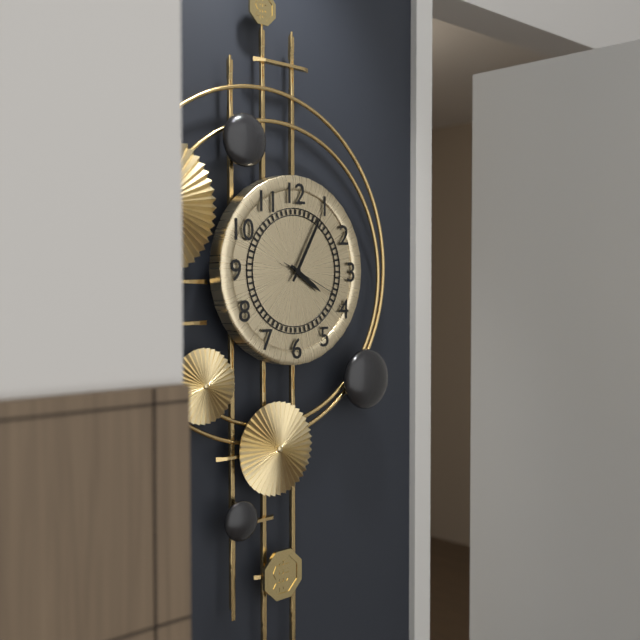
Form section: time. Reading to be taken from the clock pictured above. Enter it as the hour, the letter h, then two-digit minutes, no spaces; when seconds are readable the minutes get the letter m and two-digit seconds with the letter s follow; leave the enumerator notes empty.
4h05m19s
